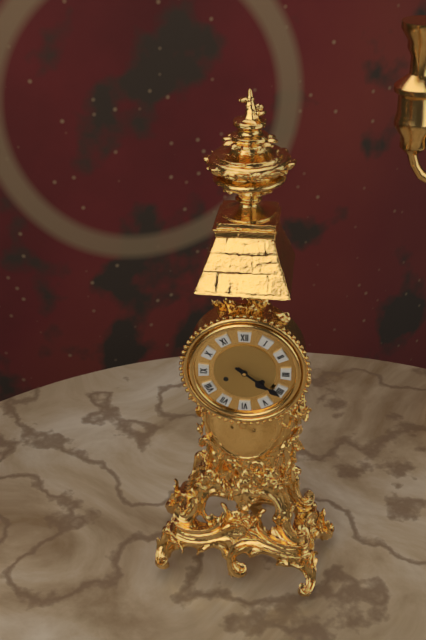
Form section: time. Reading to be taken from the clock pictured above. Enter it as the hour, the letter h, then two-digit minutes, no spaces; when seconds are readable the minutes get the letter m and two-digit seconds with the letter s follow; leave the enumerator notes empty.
4h21
